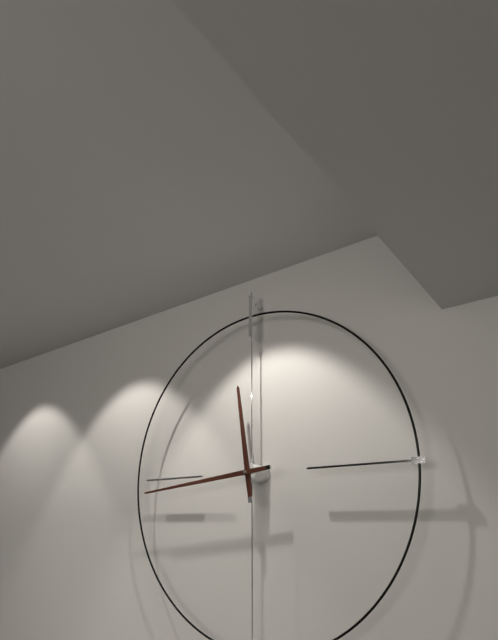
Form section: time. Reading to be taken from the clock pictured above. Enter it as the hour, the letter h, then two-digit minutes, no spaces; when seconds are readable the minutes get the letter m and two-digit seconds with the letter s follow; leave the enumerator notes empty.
11h44
